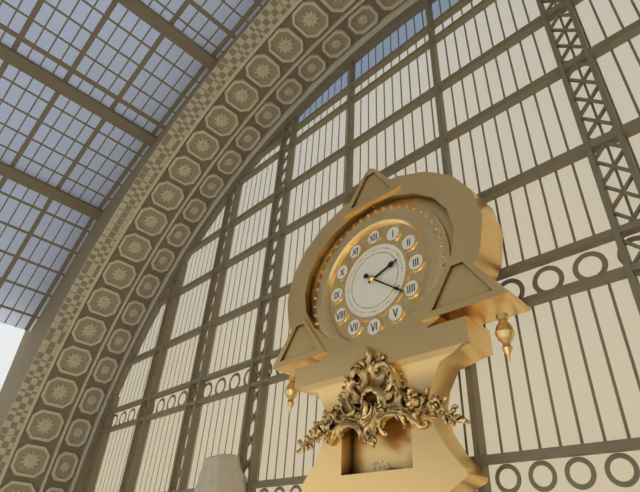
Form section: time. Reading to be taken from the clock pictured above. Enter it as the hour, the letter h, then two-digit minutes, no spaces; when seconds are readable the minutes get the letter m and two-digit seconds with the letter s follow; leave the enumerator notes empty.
2h21
